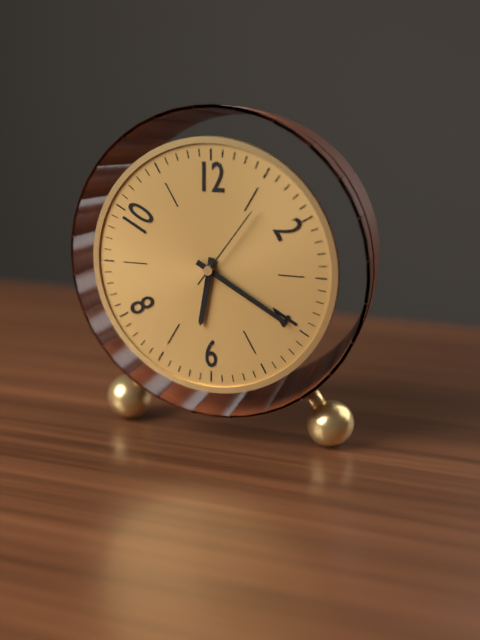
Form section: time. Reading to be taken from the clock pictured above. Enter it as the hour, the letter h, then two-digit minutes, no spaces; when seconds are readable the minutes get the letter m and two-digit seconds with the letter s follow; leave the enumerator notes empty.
6h20m06s
